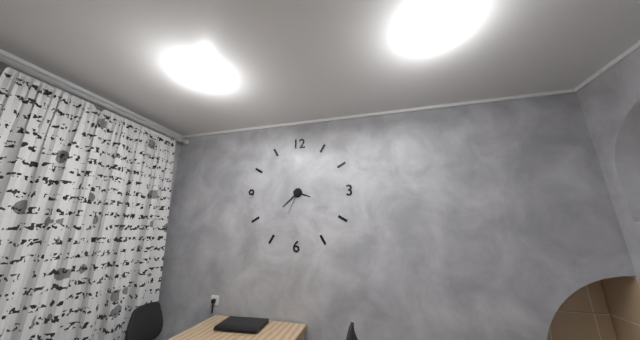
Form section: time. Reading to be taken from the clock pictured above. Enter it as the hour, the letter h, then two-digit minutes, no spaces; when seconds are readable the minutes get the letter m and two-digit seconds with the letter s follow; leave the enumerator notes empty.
3h38
